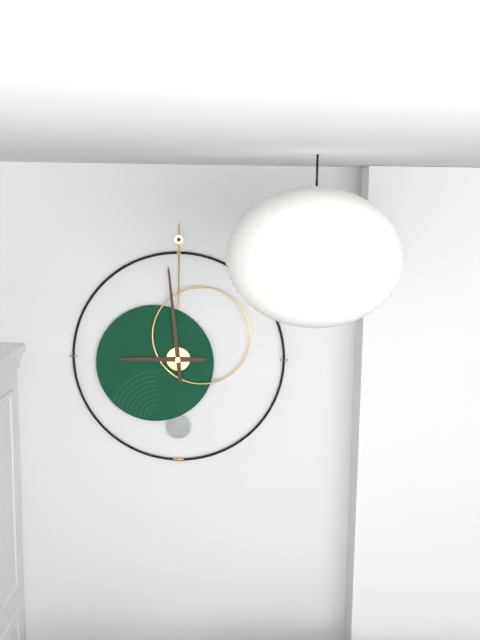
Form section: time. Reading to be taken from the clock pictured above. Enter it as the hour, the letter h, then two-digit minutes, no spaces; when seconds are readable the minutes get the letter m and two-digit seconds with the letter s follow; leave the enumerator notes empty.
8h59
